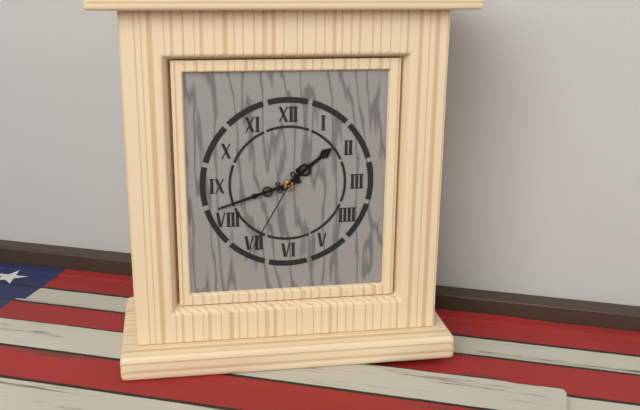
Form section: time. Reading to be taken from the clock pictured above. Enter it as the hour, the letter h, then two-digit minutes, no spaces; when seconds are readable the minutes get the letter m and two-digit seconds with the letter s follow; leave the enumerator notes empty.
1h42m35s
